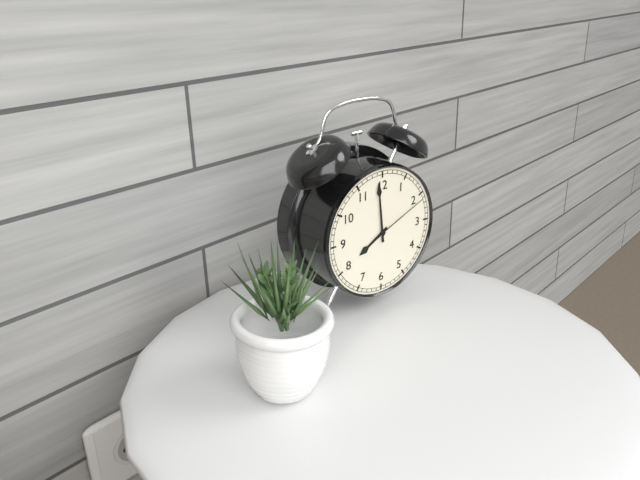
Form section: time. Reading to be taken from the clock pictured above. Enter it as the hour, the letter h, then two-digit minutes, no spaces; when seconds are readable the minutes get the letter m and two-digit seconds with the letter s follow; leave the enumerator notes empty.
7h59m11s
